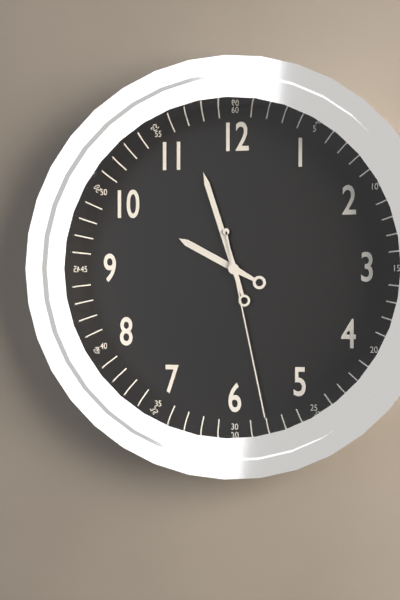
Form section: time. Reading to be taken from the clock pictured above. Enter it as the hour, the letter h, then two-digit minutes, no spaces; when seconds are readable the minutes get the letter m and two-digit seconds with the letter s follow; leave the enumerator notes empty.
9h57m28s
